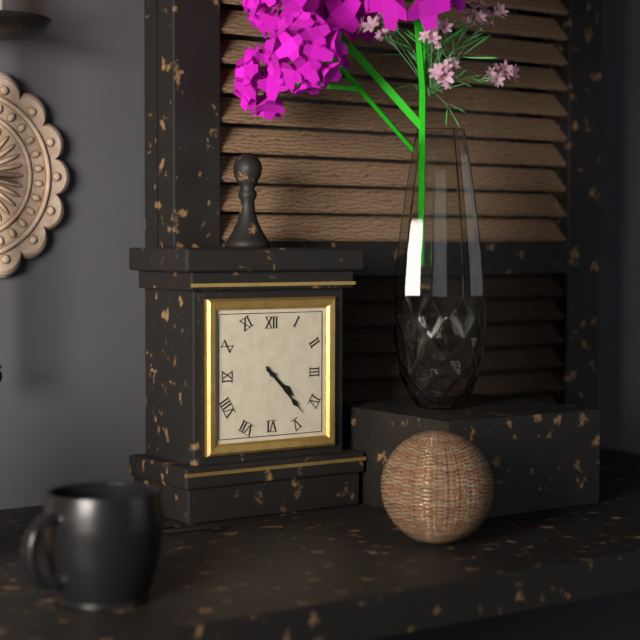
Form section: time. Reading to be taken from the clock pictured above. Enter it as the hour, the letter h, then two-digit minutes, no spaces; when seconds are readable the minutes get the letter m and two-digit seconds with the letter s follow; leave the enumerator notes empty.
4h23
